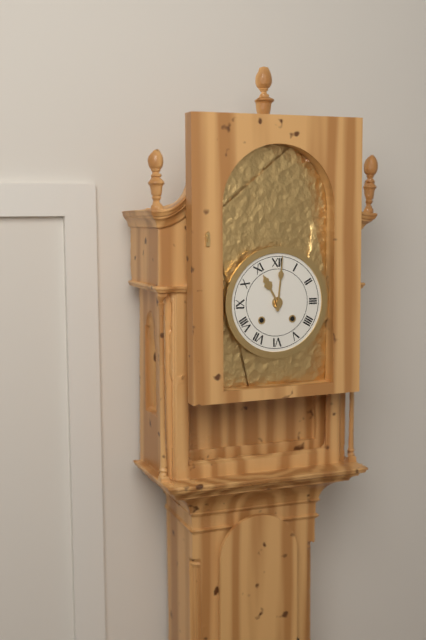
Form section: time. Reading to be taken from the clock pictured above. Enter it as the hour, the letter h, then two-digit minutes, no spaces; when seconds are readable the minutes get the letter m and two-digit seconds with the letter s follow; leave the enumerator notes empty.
11h01
